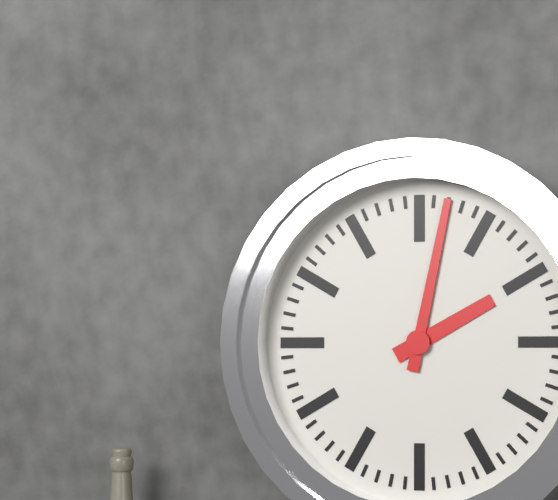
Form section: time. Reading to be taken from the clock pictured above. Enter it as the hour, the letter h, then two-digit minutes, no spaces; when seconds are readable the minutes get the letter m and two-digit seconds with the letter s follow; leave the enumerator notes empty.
2h02
